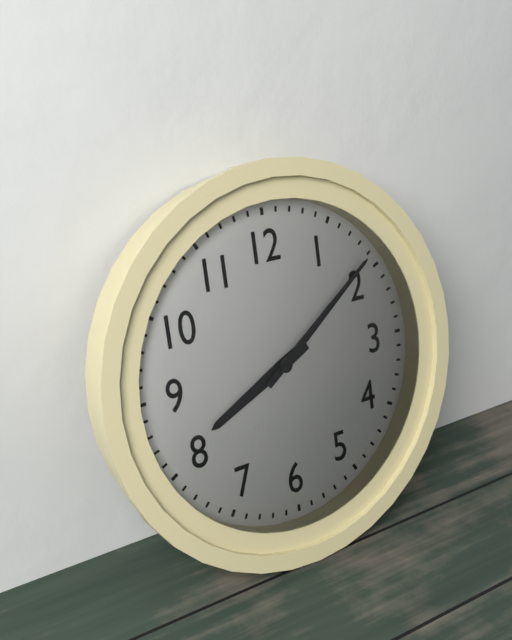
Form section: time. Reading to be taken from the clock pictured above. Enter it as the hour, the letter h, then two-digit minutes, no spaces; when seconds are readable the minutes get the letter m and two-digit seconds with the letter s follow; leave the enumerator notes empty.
8h09
